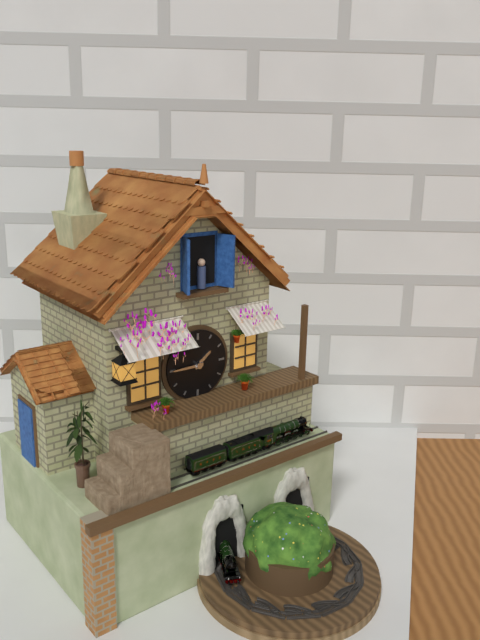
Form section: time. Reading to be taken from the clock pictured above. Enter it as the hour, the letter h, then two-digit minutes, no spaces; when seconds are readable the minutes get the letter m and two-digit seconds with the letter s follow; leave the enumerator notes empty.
1h45
